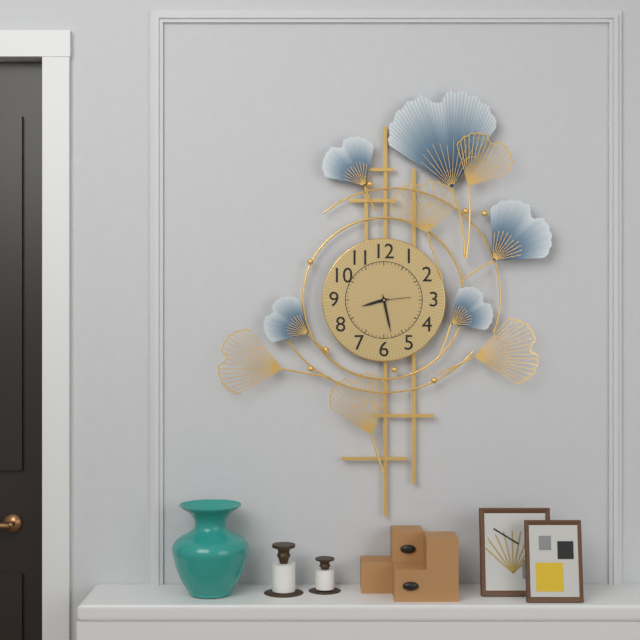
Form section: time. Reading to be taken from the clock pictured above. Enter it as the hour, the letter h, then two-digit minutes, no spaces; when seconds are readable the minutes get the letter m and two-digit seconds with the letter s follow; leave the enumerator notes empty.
8h28
